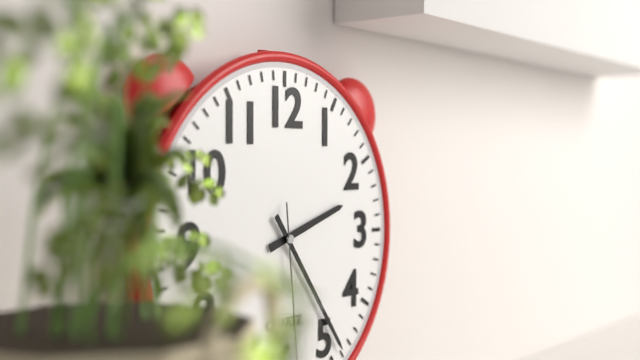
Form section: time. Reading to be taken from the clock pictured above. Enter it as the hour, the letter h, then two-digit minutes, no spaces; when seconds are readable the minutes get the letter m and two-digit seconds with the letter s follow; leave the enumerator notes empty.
2h24
